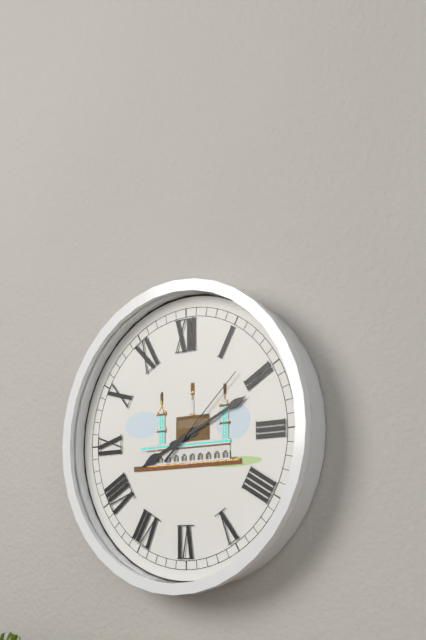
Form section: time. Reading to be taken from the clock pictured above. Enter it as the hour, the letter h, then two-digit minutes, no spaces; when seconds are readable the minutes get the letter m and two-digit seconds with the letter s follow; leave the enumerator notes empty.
8h11m08s
